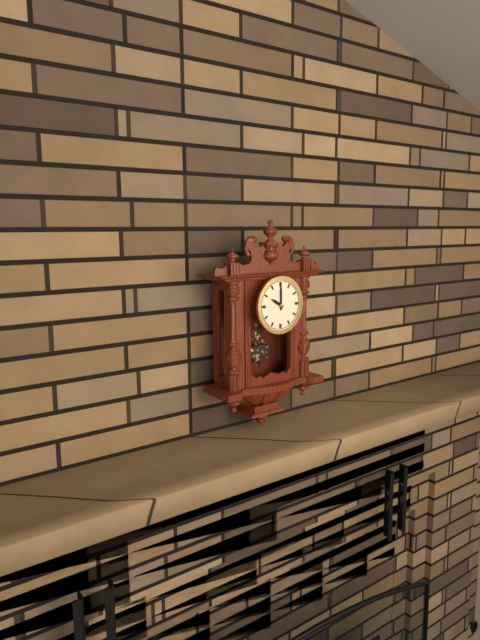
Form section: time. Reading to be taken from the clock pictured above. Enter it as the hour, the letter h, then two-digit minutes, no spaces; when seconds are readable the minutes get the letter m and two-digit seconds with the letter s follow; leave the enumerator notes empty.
10h00
